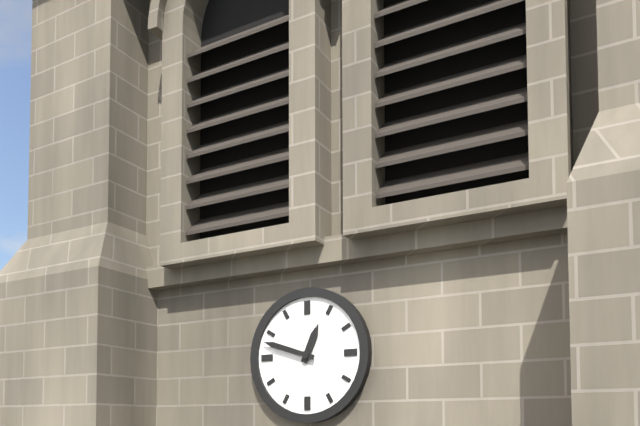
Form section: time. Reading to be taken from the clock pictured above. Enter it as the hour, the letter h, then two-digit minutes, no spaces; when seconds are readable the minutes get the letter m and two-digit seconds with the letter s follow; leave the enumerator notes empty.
12h48
